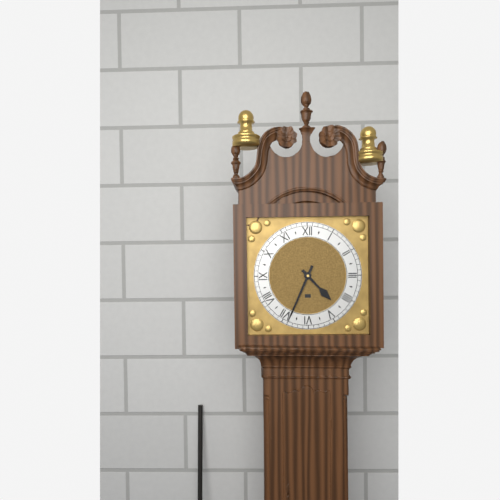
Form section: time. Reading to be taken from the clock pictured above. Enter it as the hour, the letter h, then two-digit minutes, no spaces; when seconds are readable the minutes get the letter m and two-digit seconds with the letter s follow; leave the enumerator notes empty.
4h34
